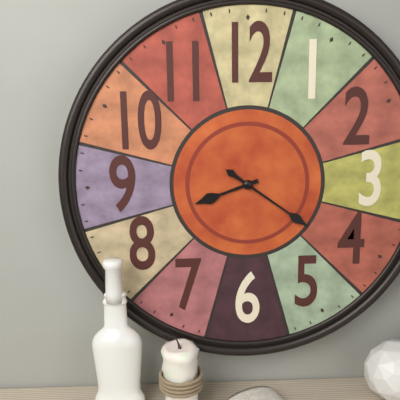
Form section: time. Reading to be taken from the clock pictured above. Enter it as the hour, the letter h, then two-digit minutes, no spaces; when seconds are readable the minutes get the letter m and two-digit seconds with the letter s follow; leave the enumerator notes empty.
8h21
